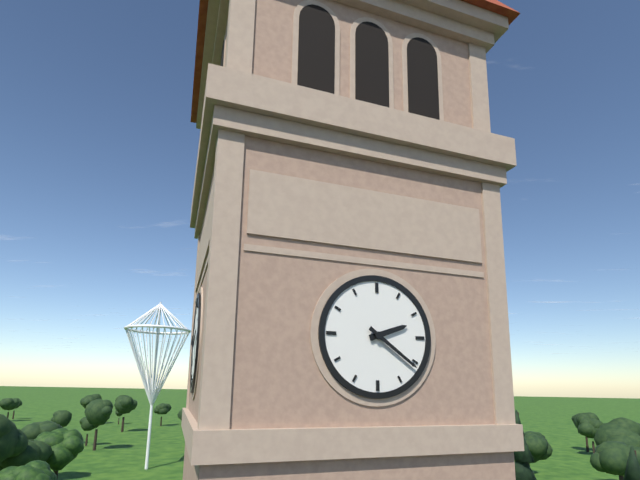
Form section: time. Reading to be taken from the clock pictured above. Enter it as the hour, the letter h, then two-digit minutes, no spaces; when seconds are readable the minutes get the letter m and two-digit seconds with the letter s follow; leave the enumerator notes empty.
2h21
